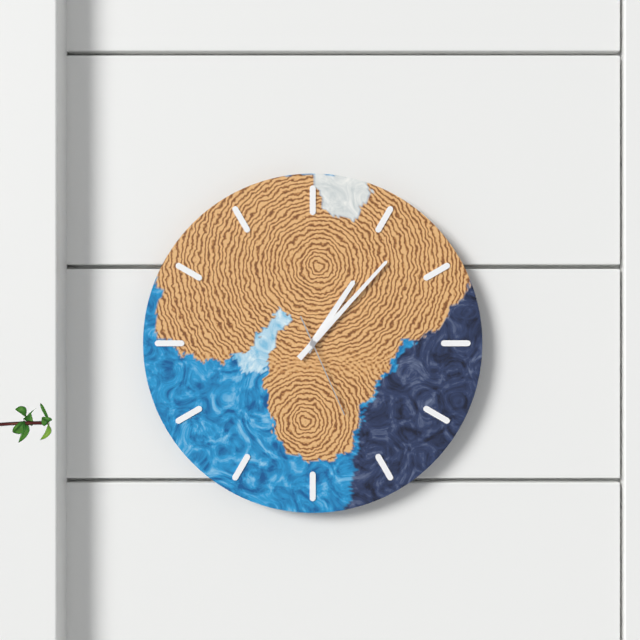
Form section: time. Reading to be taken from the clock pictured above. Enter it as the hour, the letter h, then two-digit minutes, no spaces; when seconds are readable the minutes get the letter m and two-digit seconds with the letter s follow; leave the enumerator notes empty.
1h07m26s
